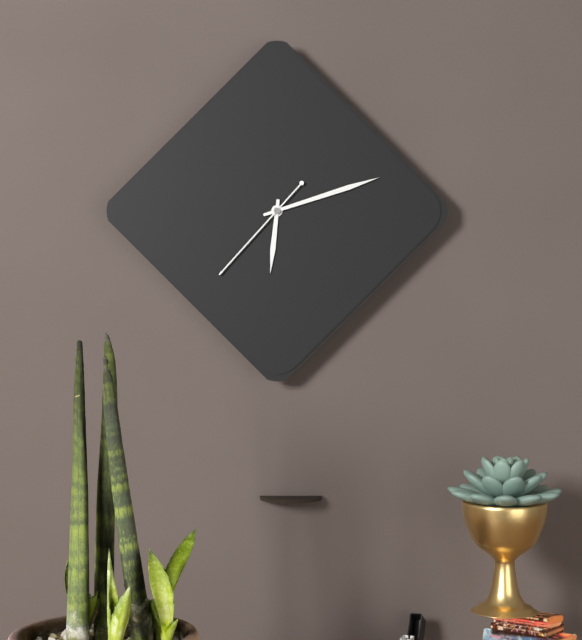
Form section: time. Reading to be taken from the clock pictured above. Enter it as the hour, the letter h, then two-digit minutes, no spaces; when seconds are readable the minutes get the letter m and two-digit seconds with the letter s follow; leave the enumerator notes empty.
6h12m37s
